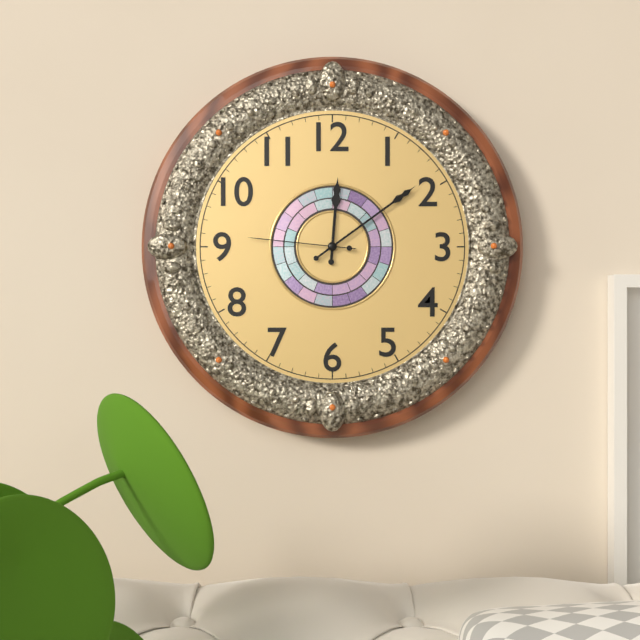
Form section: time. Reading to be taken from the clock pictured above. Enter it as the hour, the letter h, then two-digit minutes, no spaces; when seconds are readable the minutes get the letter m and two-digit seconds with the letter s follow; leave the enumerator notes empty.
12h09m46s
